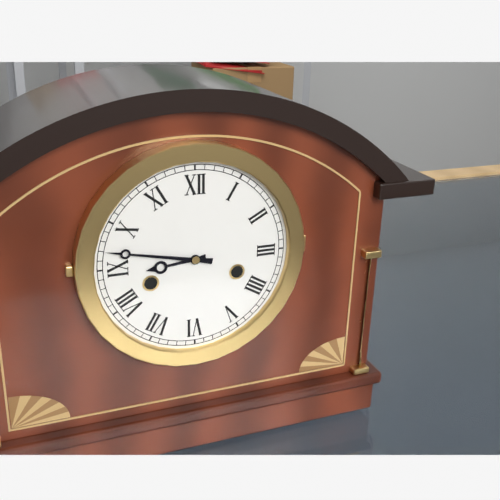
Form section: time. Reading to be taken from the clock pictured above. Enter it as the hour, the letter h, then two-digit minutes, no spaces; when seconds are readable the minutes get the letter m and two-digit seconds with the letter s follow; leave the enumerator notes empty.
8h47
